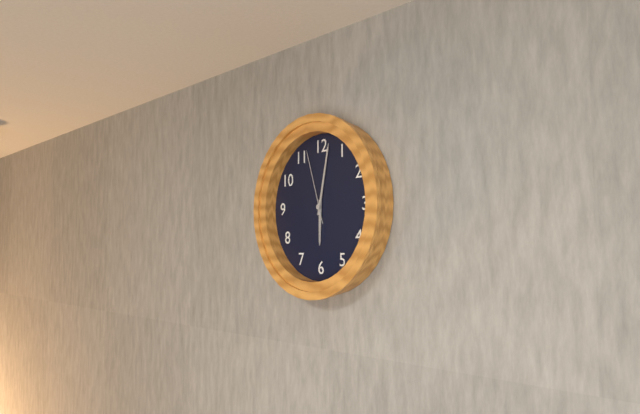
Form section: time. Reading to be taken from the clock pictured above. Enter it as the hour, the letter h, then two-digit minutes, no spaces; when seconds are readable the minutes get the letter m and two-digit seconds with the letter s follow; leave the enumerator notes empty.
6h02m57s
